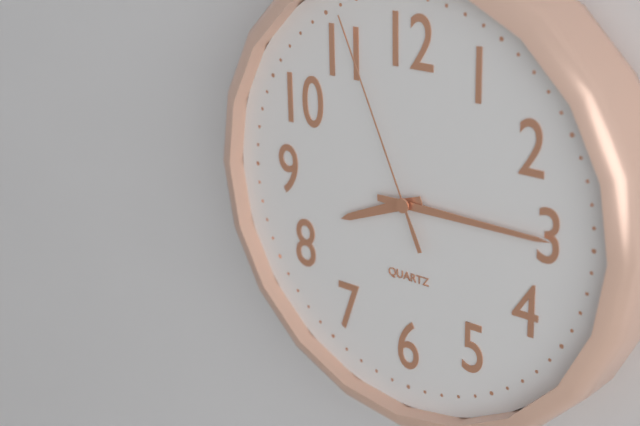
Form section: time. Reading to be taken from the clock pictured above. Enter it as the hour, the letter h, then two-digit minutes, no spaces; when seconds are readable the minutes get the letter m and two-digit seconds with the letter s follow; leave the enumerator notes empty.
8h15m56s
